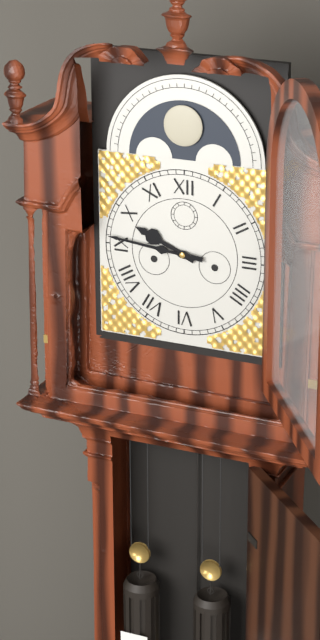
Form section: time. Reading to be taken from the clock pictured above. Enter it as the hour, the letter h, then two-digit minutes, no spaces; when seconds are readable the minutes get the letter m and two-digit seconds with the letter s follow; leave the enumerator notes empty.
9h46
